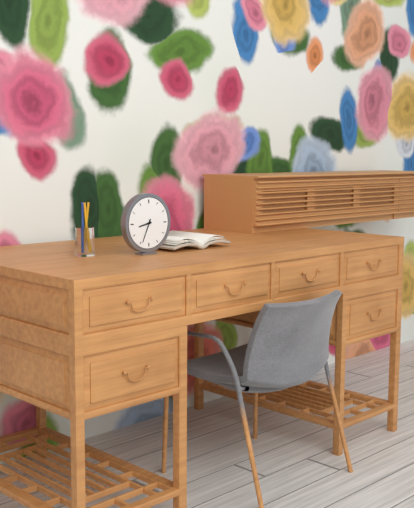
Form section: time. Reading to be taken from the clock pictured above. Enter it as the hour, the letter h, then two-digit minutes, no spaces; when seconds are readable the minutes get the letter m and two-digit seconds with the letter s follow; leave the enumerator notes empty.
8h34
